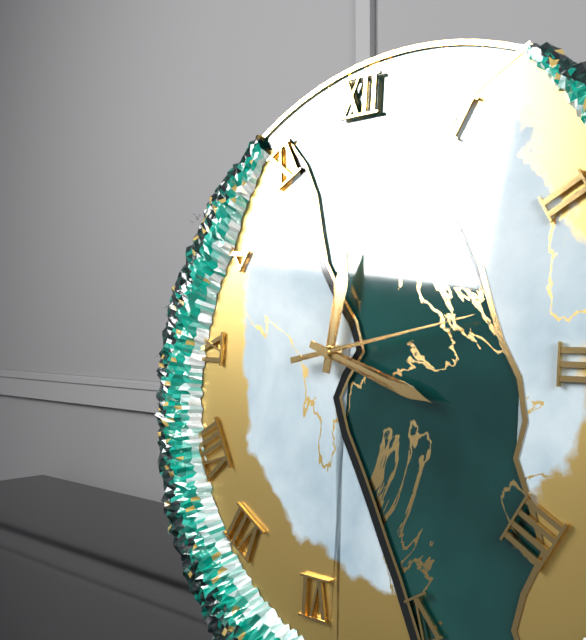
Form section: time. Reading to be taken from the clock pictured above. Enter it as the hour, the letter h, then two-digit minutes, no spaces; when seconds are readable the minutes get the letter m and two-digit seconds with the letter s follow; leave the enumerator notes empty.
12h18m13s
